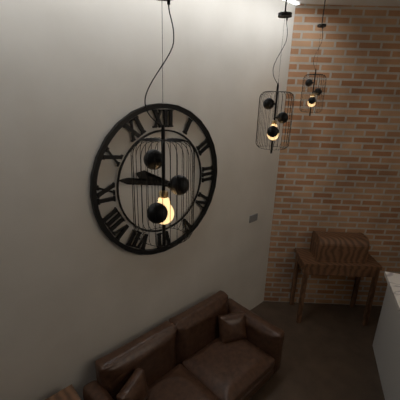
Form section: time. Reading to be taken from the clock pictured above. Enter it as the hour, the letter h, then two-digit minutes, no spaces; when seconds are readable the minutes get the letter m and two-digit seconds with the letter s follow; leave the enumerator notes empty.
9h47
